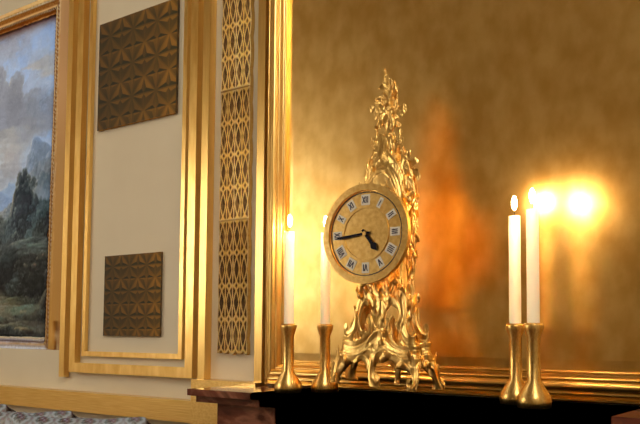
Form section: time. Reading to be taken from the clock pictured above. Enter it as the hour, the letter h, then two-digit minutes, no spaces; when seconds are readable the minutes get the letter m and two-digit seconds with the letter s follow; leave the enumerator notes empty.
4h44
